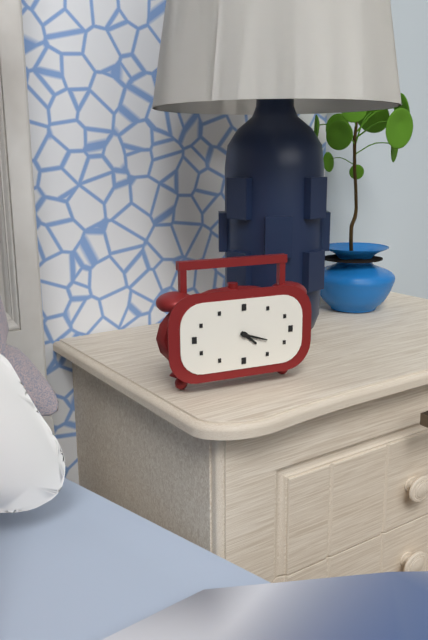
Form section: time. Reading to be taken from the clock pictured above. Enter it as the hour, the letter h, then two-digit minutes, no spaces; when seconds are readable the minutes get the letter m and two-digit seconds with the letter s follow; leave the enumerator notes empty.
4h18
